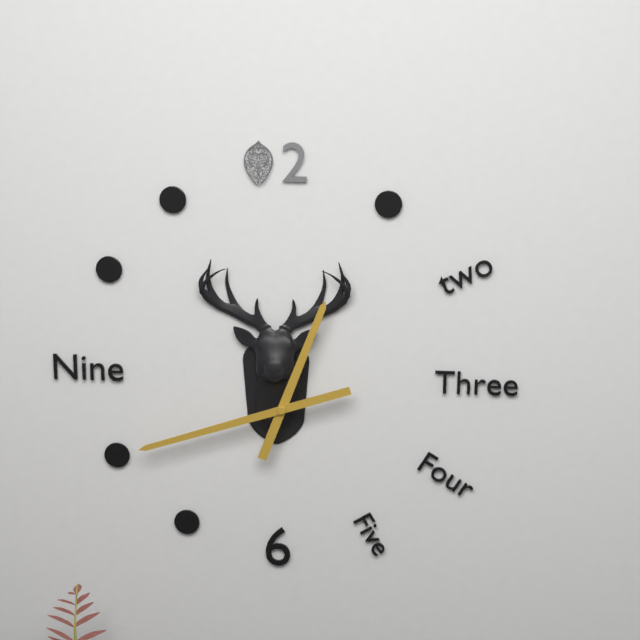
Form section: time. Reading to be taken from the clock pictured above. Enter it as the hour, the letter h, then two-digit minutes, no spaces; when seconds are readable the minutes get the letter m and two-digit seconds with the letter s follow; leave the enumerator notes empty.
12h42
